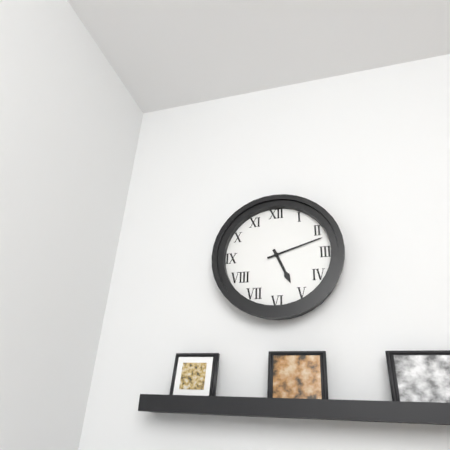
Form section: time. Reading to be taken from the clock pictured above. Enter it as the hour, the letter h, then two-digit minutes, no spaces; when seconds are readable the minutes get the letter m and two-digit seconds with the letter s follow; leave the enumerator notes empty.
5h12
